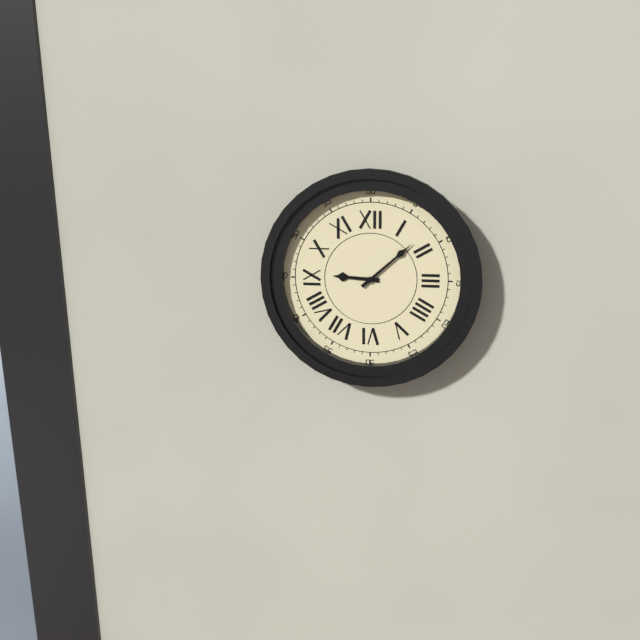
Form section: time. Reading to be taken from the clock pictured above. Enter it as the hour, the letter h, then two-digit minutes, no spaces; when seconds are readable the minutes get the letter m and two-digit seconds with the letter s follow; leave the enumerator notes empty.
9h08
